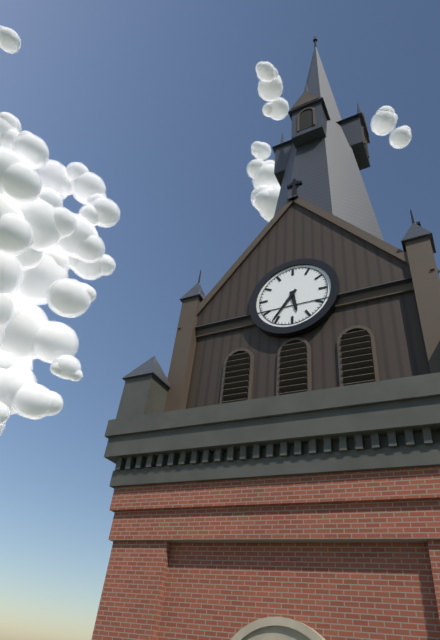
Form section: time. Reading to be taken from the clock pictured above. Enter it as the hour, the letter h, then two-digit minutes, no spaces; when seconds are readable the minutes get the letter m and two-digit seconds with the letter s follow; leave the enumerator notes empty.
5h36
